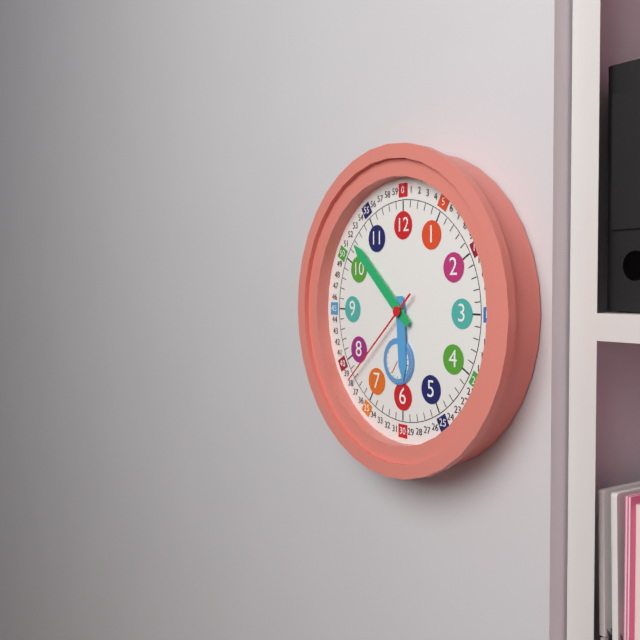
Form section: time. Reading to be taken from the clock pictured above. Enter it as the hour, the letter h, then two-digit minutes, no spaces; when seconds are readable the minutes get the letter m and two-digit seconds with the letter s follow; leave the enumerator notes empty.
5h52m38s
